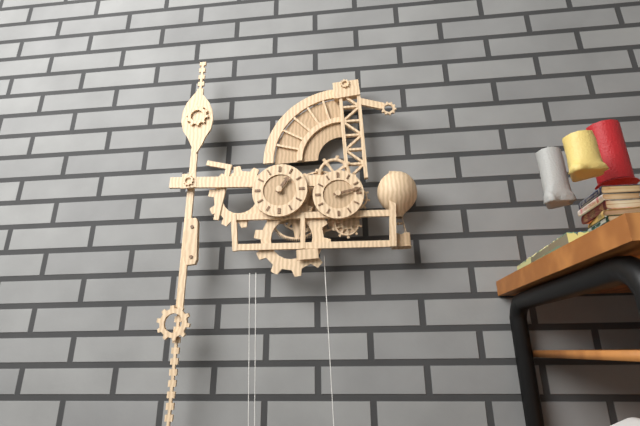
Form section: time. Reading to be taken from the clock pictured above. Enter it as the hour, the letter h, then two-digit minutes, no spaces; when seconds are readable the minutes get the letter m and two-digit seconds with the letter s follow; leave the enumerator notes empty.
1h13
